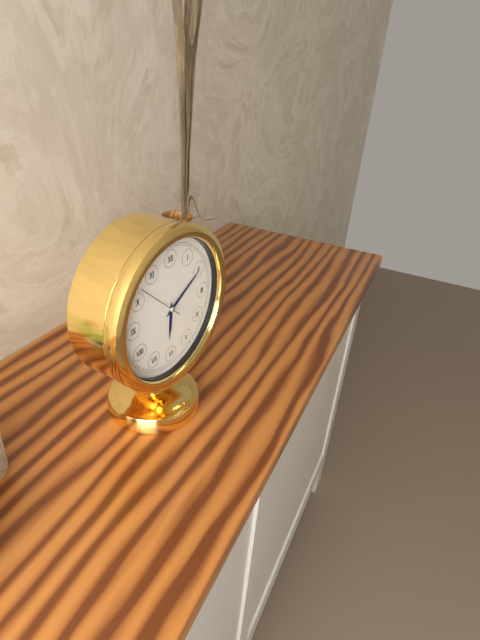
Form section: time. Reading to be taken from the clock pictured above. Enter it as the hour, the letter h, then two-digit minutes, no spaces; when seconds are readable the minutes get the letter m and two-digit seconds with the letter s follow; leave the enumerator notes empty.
6h10
